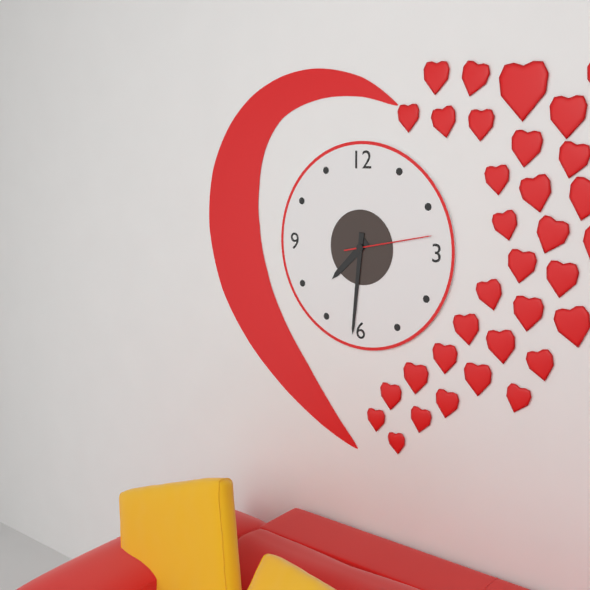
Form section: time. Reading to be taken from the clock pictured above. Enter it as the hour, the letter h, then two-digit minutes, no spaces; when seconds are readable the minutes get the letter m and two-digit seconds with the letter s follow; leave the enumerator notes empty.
7h31m13s
